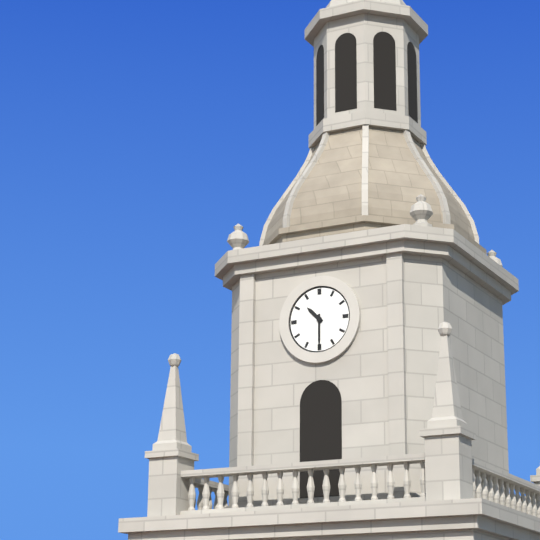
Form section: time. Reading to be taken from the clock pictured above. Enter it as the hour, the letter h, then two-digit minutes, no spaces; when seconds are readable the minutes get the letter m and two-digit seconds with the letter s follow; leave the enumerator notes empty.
10h30
